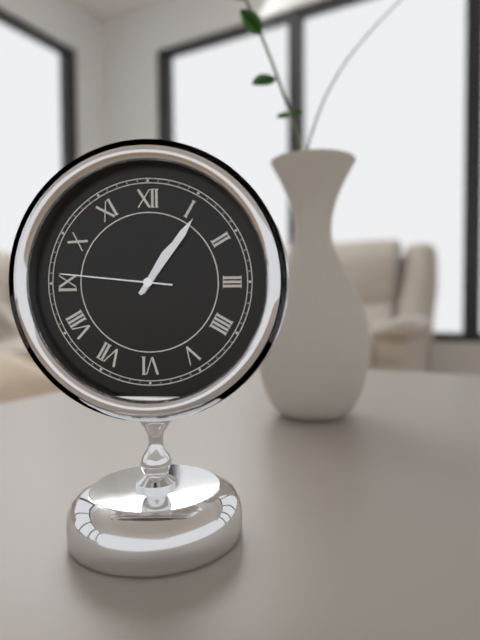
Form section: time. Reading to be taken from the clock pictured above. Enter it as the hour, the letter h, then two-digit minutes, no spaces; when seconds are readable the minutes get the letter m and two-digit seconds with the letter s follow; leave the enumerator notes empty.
1h06m46s
